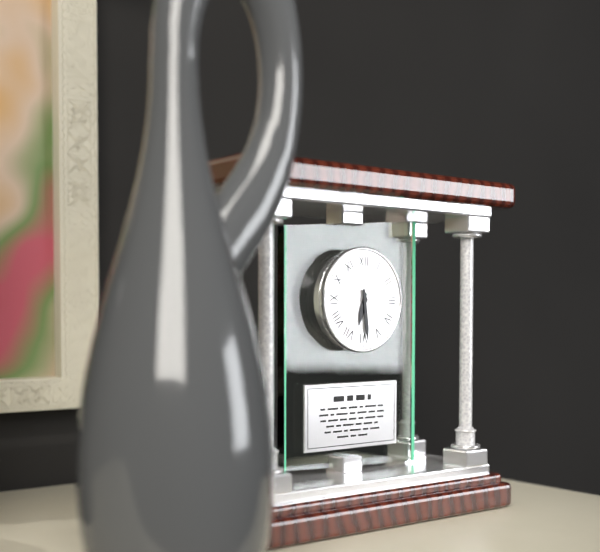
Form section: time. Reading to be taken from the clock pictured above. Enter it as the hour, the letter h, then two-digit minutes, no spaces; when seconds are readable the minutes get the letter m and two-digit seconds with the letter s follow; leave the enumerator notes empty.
6h29
